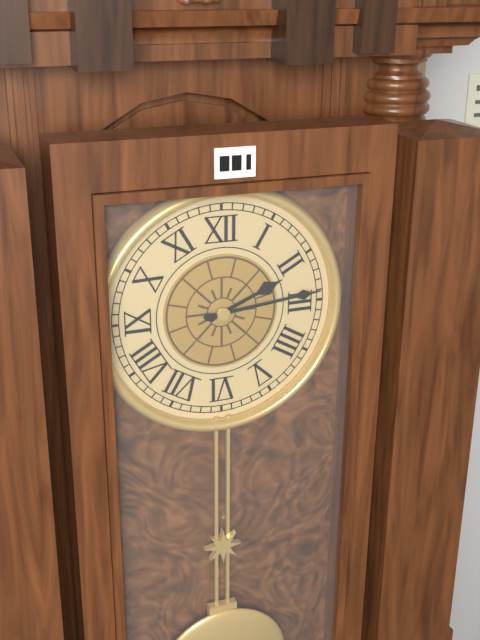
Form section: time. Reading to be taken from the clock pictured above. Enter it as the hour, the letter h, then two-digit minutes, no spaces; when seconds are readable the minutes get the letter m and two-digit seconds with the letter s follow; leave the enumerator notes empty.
2h14
